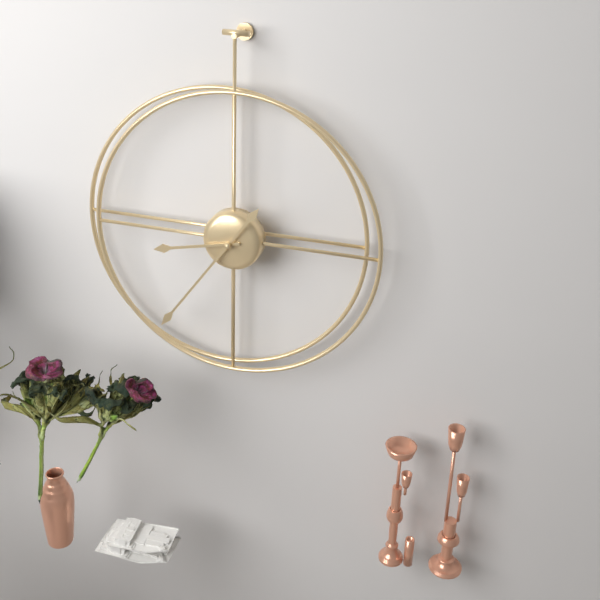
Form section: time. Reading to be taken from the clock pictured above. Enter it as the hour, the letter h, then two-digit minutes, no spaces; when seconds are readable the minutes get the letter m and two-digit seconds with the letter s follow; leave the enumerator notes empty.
8h36
